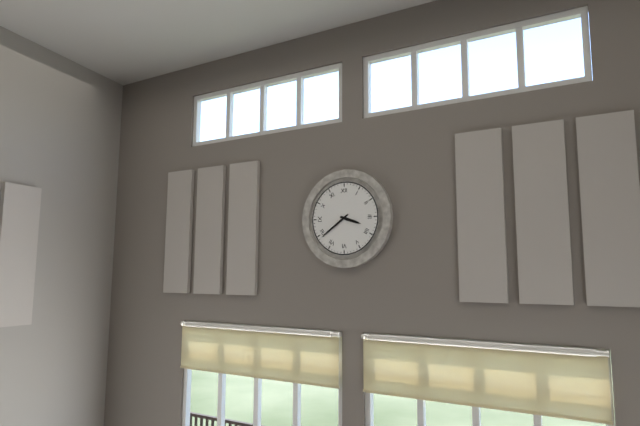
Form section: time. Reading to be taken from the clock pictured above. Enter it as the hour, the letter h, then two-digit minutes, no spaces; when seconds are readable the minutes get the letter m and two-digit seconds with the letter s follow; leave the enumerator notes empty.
3h39
